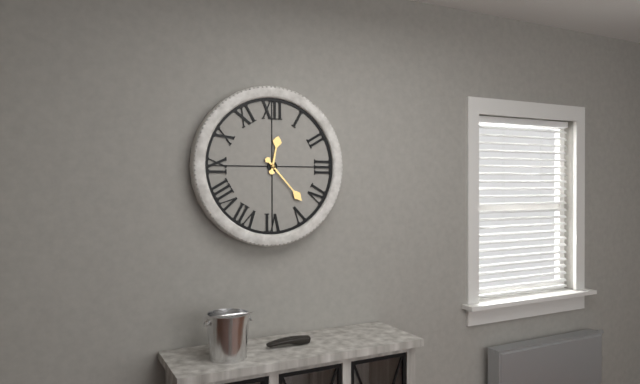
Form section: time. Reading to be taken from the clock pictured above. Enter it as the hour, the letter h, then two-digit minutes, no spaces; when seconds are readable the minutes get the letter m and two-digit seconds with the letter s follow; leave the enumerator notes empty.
12h23
